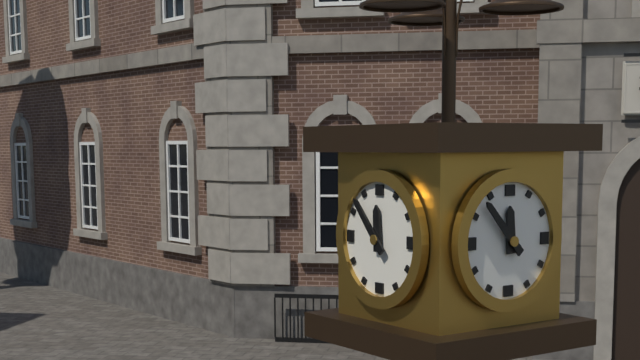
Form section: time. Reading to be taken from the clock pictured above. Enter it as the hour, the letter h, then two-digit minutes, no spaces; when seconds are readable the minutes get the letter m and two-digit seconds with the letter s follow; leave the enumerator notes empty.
11h53
